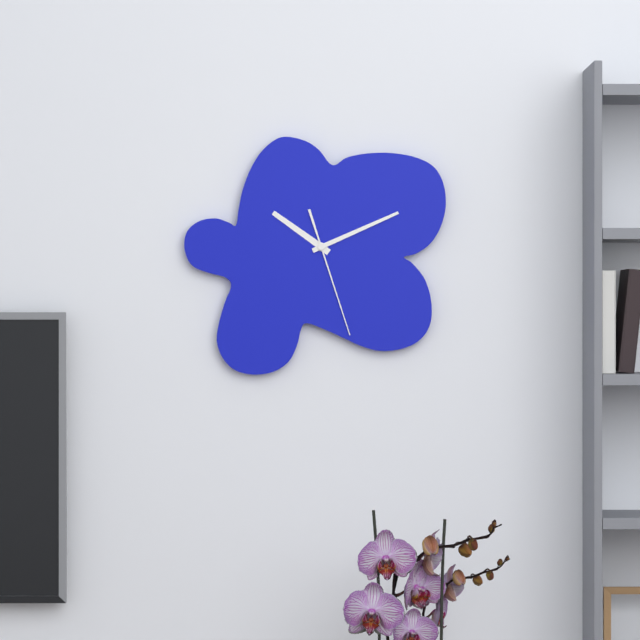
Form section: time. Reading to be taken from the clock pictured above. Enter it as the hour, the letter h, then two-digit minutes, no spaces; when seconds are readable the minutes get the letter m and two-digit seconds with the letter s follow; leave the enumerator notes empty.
10h11m27s
